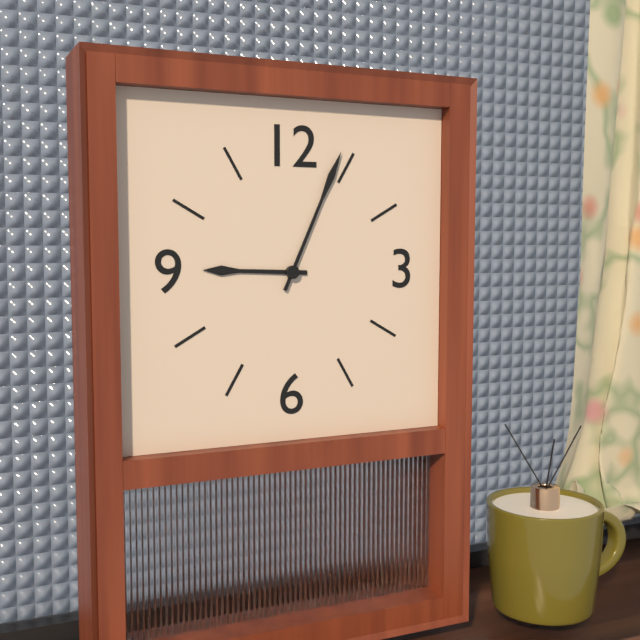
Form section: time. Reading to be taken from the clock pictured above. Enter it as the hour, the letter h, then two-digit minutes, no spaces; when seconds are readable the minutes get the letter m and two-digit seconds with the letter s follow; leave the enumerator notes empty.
9h04
